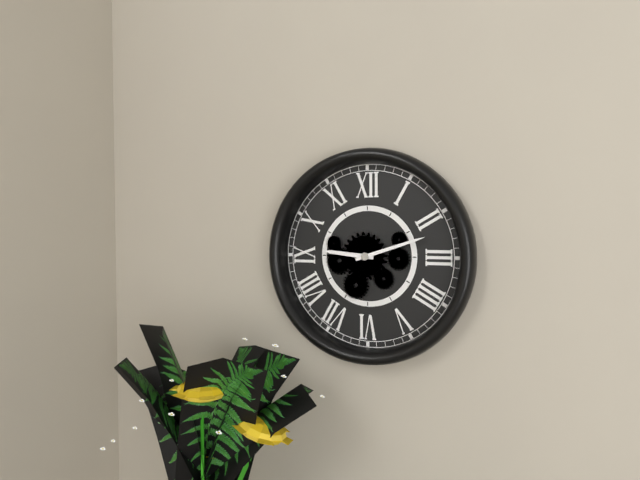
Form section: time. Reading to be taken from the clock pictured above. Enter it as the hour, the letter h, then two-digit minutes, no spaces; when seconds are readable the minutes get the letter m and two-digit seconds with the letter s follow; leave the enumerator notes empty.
9h12
